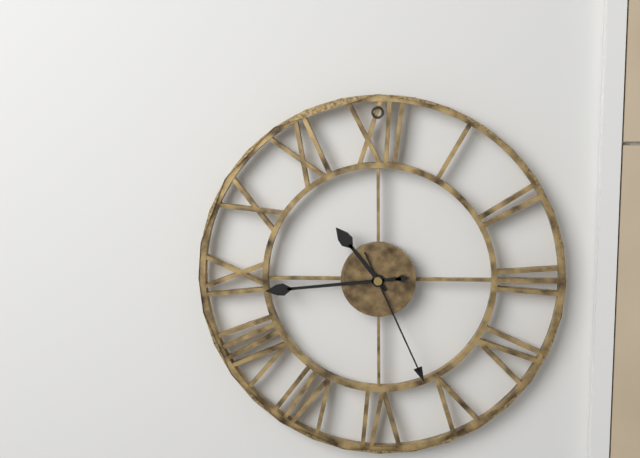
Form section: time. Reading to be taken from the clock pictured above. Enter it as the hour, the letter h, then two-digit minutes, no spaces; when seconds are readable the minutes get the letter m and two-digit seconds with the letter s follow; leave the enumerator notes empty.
10h44m26s
